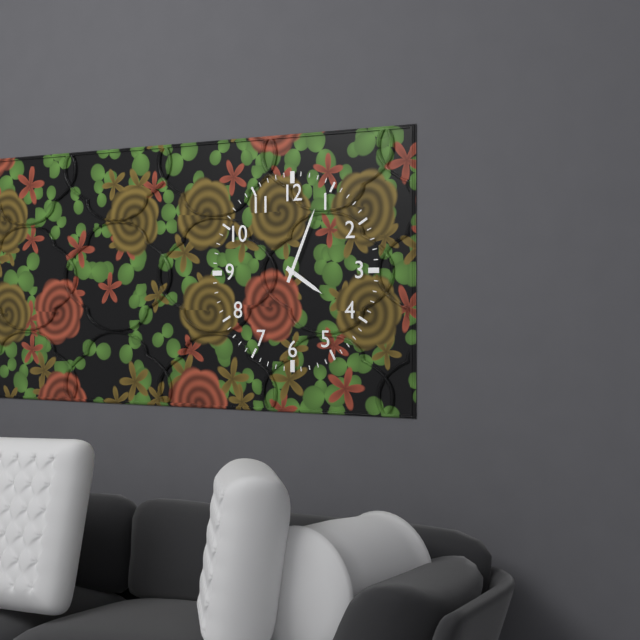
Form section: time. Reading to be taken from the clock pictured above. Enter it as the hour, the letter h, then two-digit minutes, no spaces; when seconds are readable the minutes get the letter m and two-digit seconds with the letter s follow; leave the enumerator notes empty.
4h04
